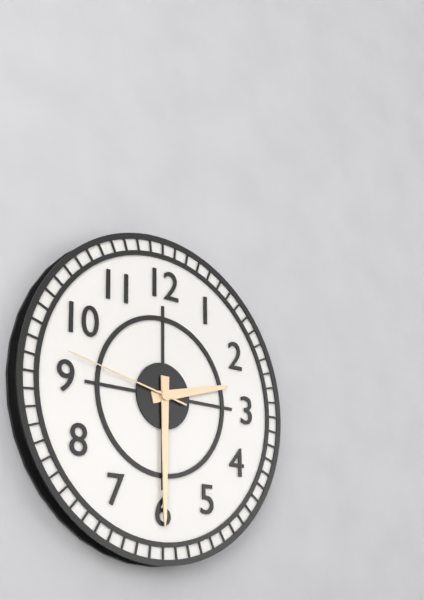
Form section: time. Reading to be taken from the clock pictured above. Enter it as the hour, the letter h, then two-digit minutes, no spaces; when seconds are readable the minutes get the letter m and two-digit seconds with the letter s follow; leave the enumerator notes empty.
2h30m47s
